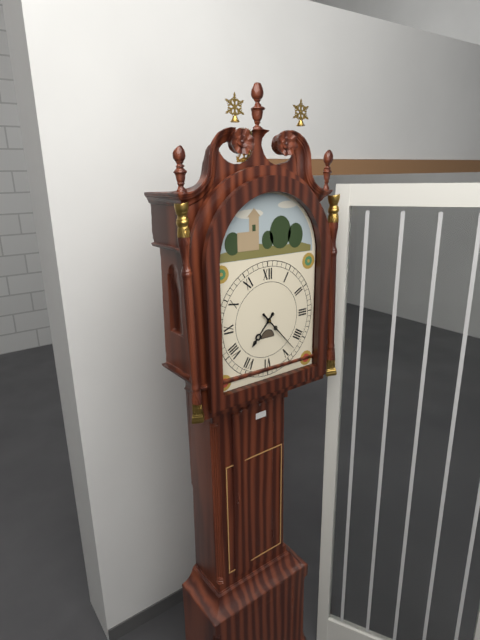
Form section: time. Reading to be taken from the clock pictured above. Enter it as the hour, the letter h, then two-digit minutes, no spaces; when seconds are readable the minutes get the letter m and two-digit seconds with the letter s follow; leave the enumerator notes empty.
7h23
